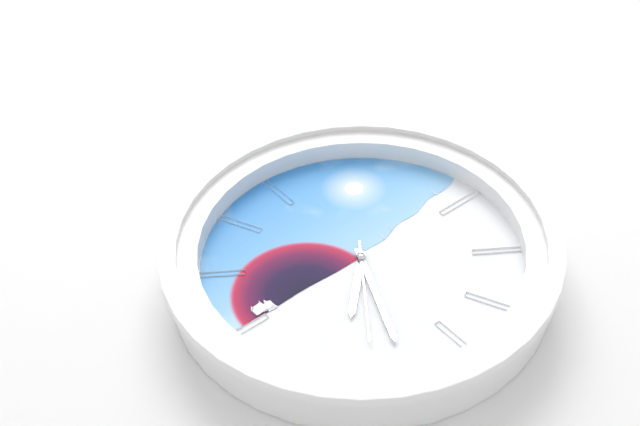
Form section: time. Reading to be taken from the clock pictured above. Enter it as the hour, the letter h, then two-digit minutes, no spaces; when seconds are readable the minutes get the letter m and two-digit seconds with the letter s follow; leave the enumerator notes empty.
7h34m36s
